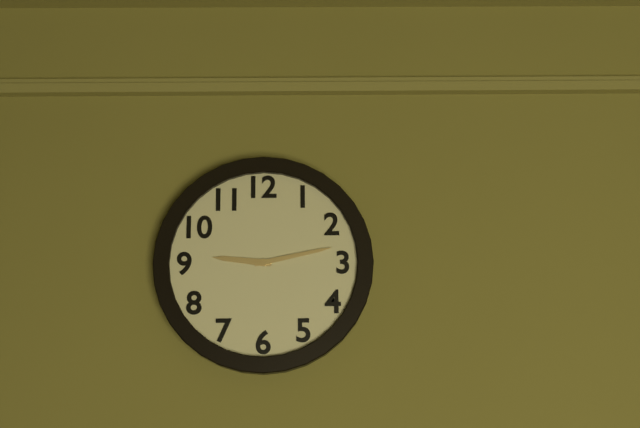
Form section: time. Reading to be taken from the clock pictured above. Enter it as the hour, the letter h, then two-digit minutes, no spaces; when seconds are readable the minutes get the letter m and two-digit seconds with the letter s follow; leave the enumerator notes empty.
9h13
